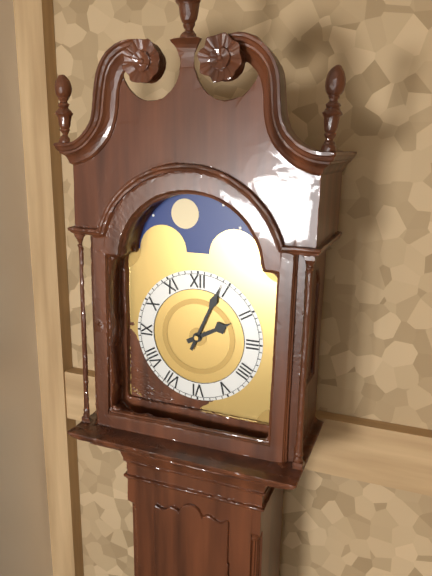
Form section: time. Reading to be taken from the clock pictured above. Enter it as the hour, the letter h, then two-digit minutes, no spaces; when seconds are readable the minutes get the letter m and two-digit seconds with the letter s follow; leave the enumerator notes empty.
2h04
